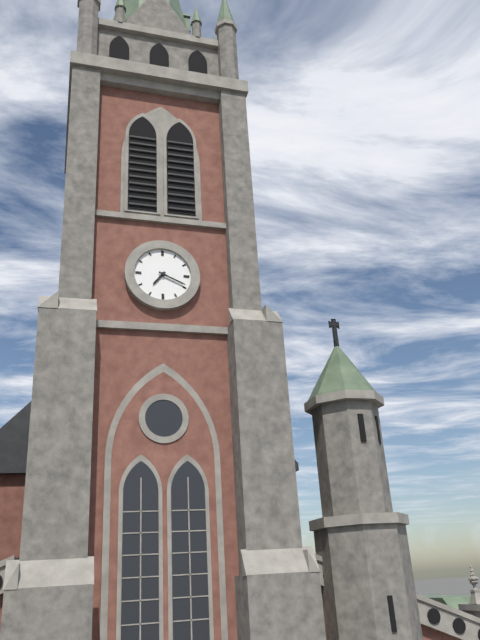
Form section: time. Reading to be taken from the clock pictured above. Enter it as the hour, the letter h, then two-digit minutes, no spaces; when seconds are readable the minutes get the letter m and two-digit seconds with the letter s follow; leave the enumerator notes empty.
7h19
